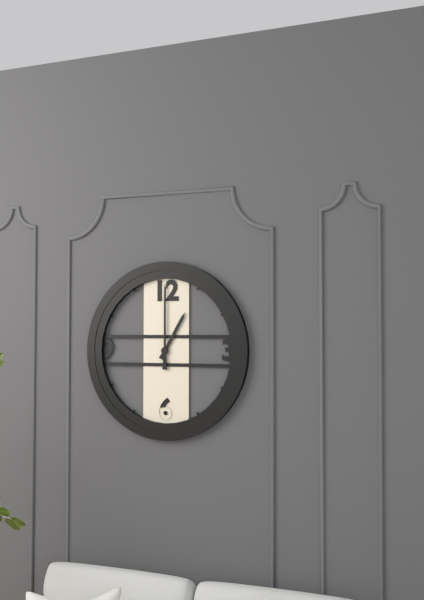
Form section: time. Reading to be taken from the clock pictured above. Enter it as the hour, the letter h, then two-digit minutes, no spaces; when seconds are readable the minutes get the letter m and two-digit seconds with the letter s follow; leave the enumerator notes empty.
1h00
